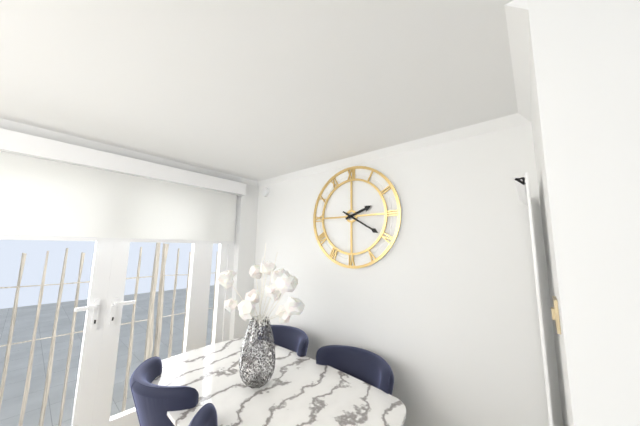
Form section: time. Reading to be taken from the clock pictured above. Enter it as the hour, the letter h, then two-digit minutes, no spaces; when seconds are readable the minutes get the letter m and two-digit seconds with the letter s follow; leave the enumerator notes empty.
2h20
